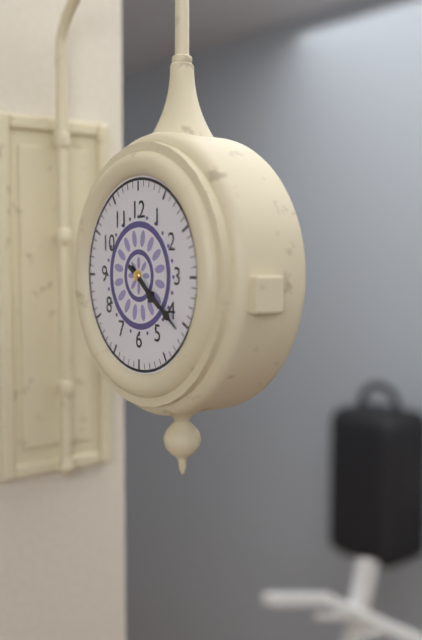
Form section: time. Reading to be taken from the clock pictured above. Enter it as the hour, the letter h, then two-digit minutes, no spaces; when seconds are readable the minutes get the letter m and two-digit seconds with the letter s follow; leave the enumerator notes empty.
4h21
